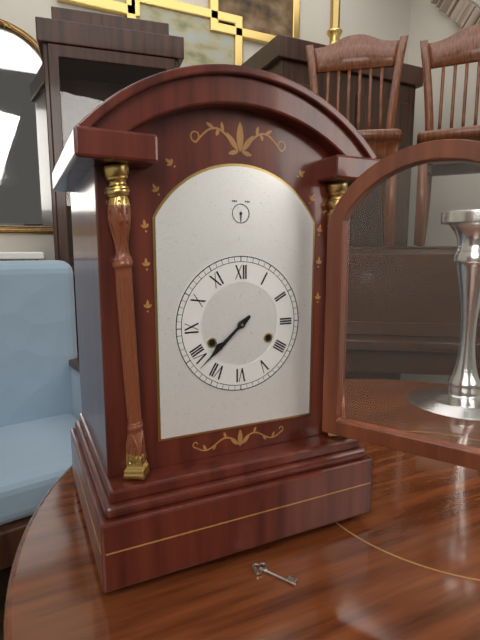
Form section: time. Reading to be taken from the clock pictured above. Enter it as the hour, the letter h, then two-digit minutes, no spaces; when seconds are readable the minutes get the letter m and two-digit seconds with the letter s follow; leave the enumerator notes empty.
7h38
